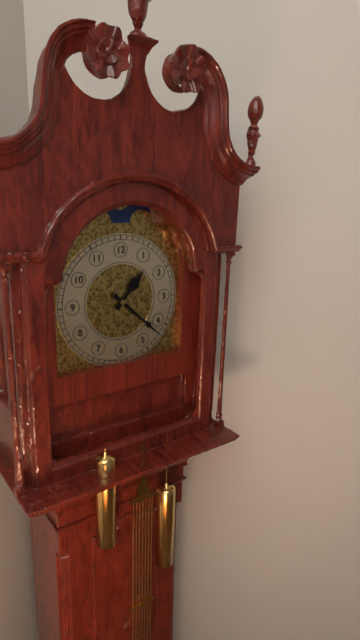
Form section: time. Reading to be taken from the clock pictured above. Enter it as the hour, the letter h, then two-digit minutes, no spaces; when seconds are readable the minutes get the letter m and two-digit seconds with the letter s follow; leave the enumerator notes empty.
1h22
